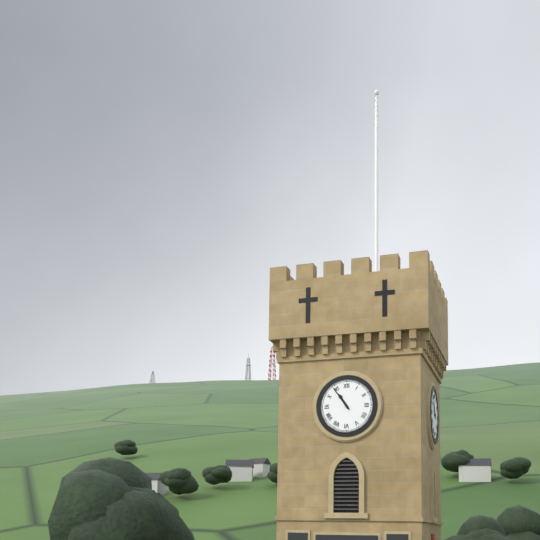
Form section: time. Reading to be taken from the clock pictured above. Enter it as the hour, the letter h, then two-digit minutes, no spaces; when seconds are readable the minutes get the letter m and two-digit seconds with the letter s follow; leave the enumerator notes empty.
10h54
